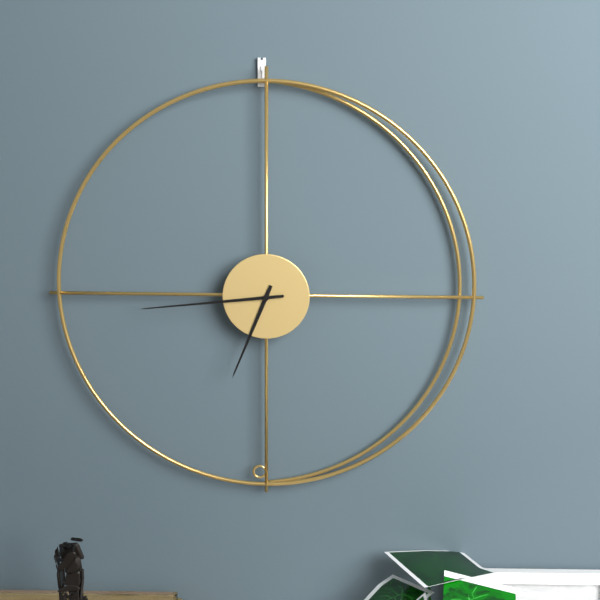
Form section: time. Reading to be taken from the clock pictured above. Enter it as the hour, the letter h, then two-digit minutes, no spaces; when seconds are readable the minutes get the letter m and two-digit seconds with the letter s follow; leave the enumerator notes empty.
6h44
